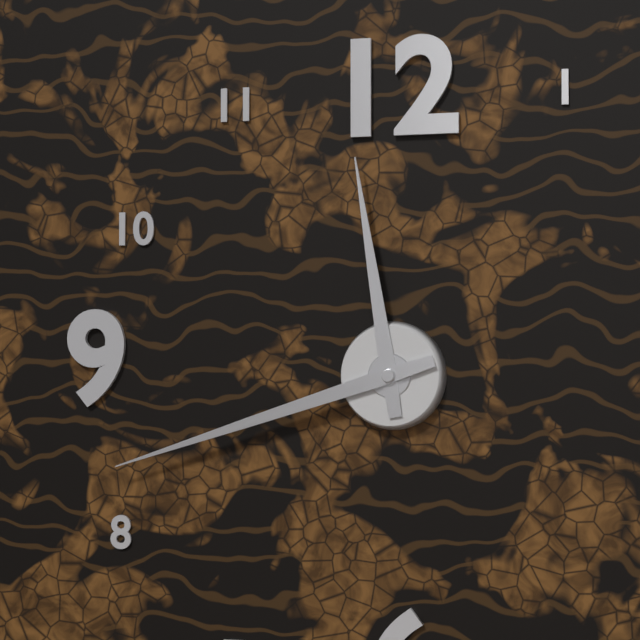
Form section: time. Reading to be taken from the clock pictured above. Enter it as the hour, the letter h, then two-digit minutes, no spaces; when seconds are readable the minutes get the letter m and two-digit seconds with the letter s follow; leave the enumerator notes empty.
11h42
